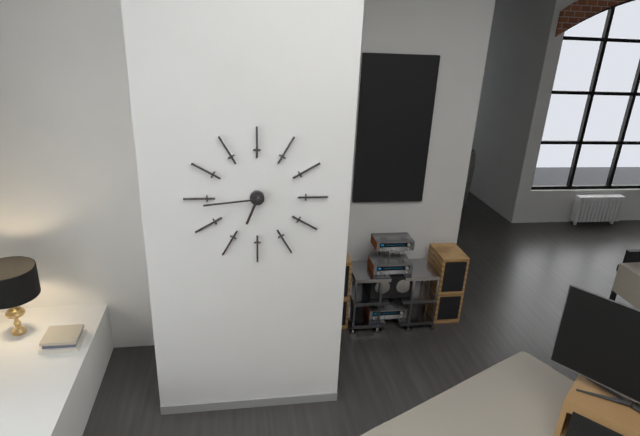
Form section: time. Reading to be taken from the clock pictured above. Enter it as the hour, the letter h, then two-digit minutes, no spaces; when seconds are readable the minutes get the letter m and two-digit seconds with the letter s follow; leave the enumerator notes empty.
6h44
